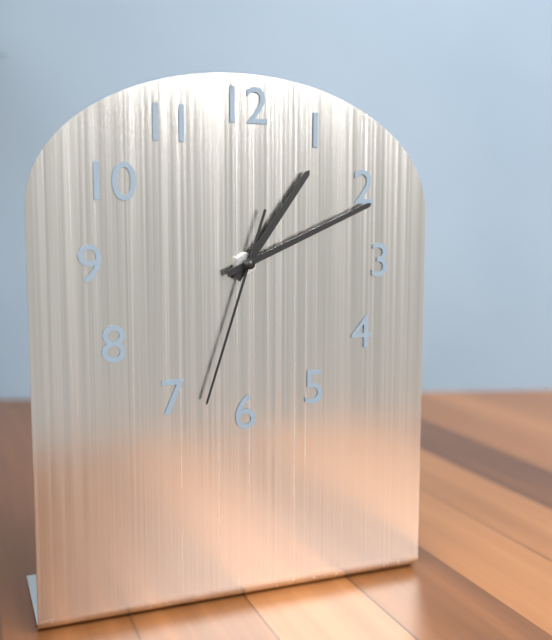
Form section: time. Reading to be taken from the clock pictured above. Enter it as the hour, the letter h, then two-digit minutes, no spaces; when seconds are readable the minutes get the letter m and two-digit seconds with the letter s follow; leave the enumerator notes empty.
1h11m33s
